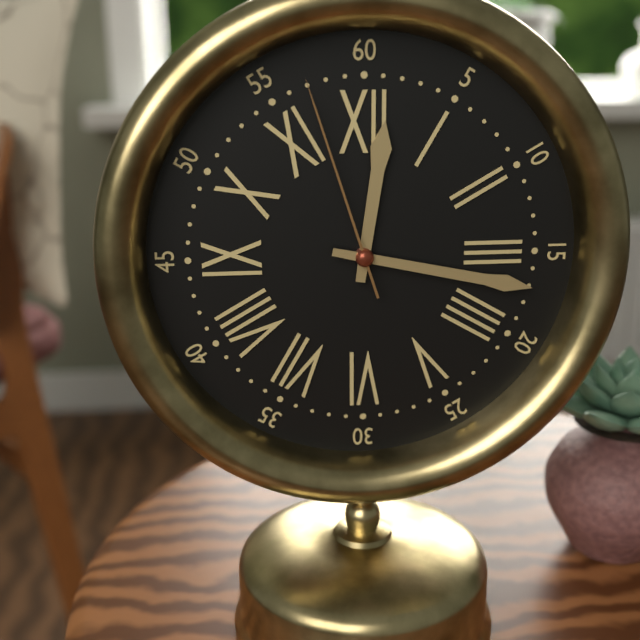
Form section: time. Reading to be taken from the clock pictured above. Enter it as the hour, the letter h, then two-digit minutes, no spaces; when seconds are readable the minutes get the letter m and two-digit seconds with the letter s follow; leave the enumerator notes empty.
12h17m57s
